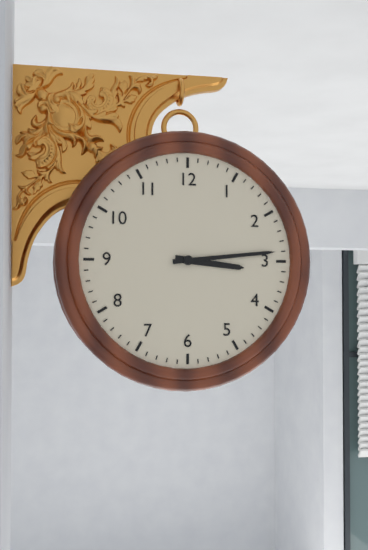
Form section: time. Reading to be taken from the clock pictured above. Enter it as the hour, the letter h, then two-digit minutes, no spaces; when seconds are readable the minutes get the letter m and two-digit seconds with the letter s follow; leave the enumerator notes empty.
3h14
